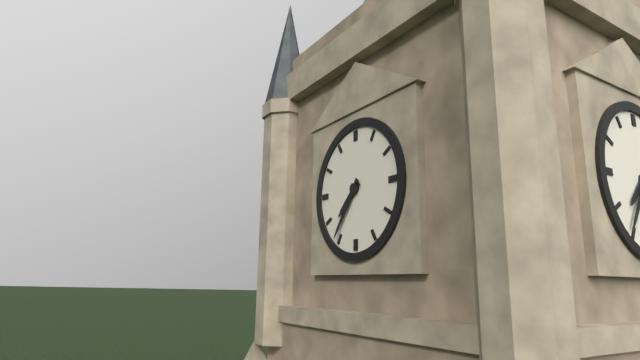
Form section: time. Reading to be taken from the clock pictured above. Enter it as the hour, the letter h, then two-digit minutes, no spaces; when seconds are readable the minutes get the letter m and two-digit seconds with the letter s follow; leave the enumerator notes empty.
7h36
